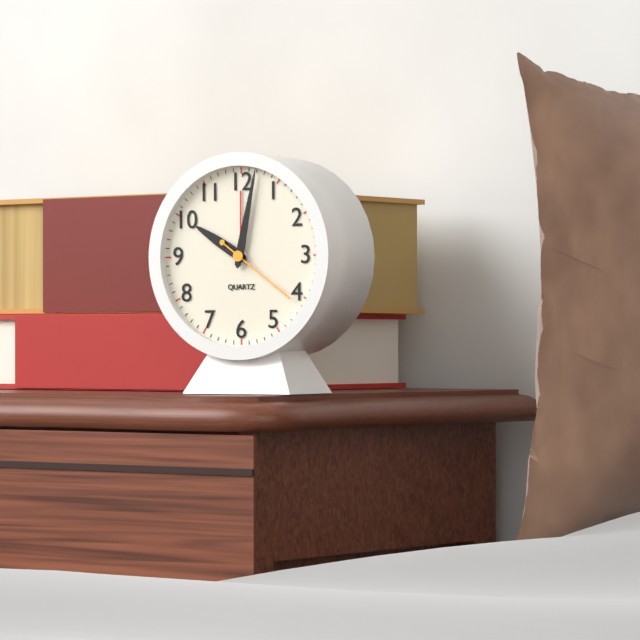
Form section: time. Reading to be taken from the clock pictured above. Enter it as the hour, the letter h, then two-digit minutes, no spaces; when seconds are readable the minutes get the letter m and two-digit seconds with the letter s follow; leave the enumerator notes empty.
10h02m21s
